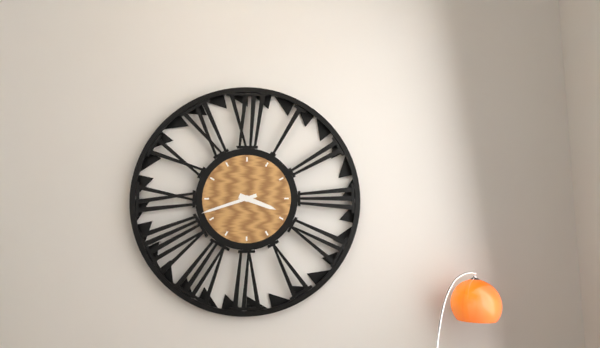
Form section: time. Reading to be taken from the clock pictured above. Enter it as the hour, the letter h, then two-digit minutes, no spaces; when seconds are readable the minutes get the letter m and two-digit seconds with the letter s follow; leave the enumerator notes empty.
3h42
